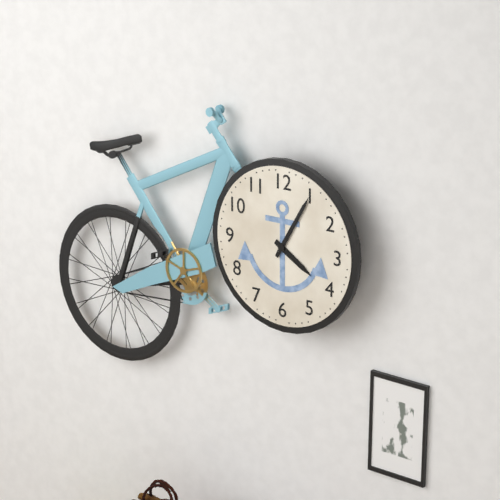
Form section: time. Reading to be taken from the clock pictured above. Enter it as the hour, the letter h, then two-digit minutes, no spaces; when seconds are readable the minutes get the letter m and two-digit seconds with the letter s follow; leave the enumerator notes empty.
4h05
